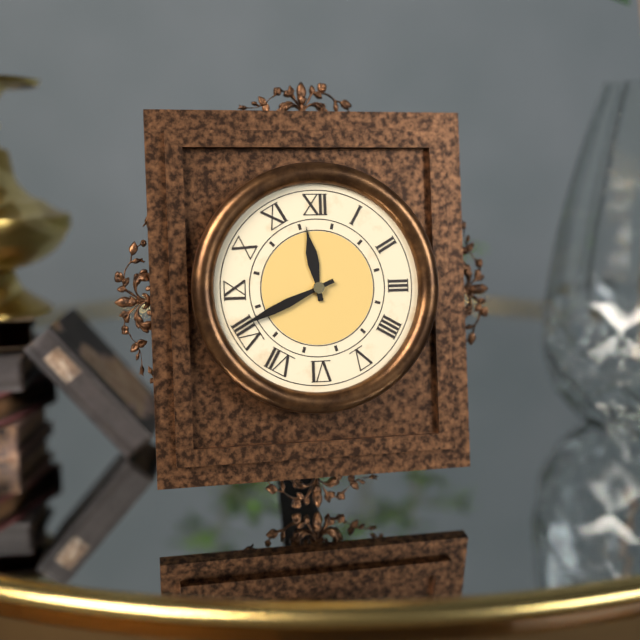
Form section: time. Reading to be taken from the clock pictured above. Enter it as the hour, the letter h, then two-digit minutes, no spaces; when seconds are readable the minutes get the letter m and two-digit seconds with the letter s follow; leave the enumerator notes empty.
11h41
